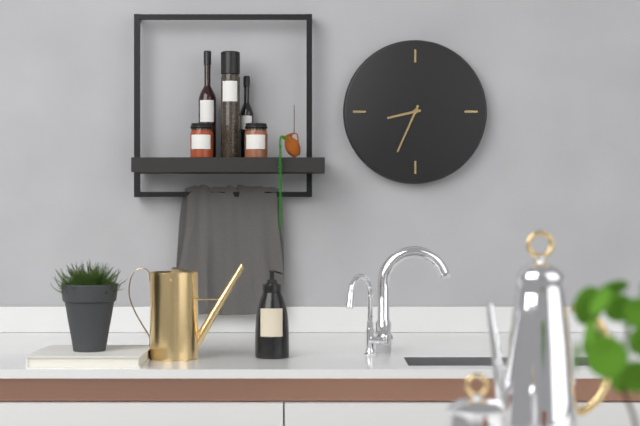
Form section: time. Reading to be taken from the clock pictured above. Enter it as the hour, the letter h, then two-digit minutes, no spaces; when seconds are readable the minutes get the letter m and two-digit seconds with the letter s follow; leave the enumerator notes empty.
8h34
